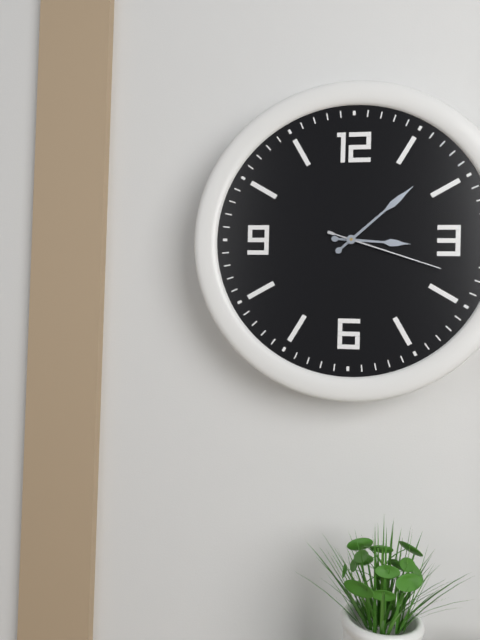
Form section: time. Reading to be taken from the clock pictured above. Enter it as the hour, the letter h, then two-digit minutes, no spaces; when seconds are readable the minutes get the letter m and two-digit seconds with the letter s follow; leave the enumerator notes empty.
3h08m18s
